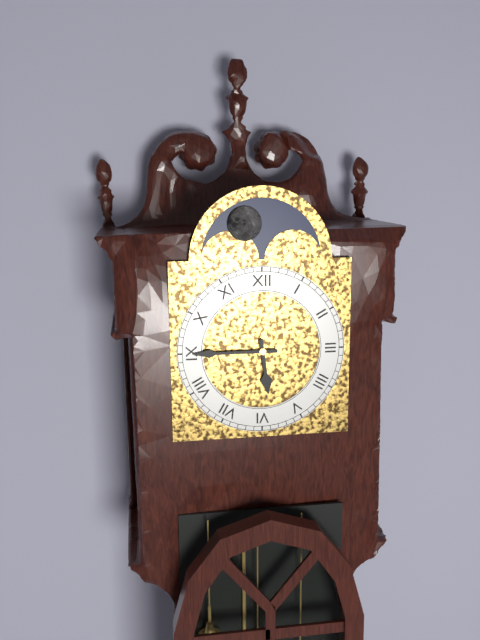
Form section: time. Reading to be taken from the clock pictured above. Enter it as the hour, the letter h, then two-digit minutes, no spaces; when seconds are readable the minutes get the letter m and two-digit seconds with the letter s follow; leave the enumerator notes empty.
5h45
